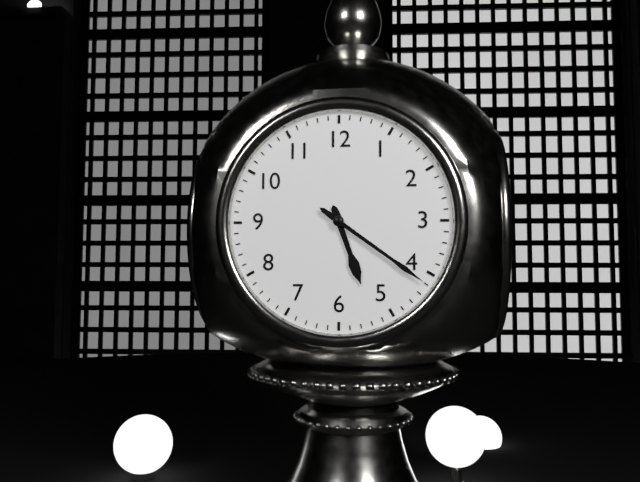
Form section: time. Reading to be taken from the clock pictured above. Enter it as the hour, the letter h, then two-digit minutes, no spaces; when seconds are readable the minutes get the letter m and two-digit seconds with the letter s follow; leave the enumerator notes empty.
5h21
